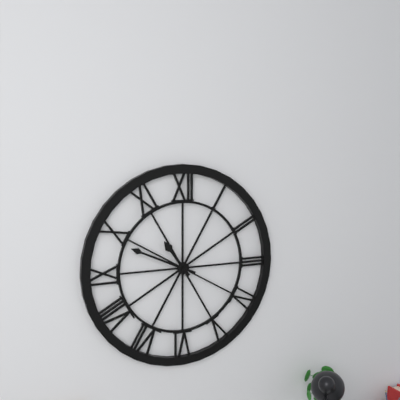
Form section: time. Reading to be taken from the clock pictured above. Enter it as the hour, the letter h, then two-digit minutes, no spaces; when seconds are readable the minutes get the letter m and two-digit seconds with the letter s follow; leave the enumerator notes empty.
10h49
